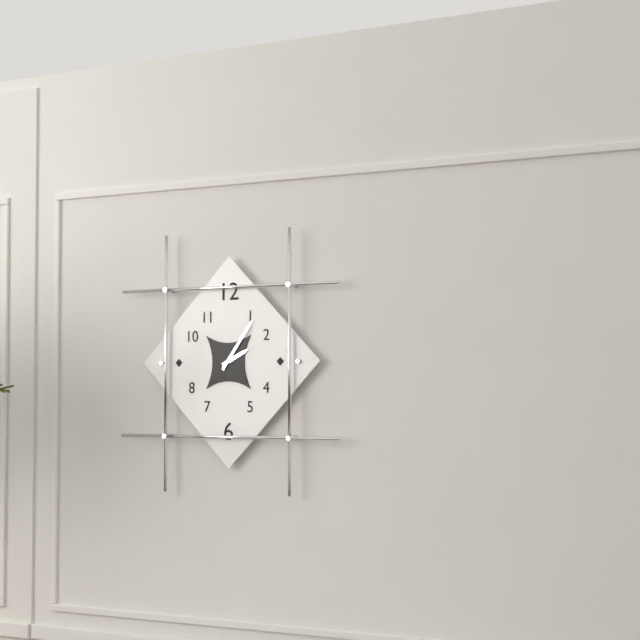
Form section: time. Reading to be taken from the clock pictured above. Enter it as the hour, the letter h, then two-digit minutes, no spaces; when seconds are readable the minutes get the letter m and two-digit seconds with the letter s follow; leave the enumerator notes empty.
2h06
